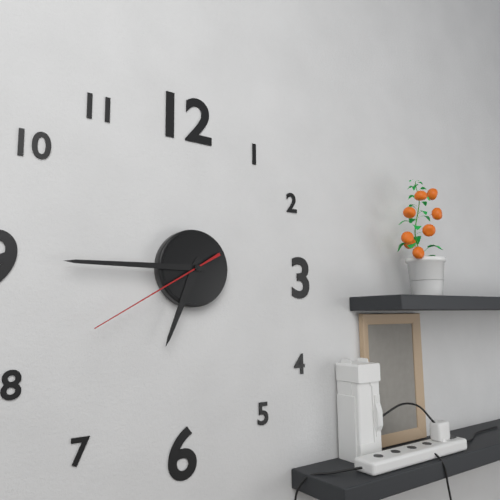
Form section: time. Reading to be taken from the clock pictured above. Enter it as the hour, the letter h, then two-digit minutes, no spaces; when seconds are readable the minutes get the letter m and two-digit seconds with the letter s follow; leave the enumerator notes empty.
6h45m40s
